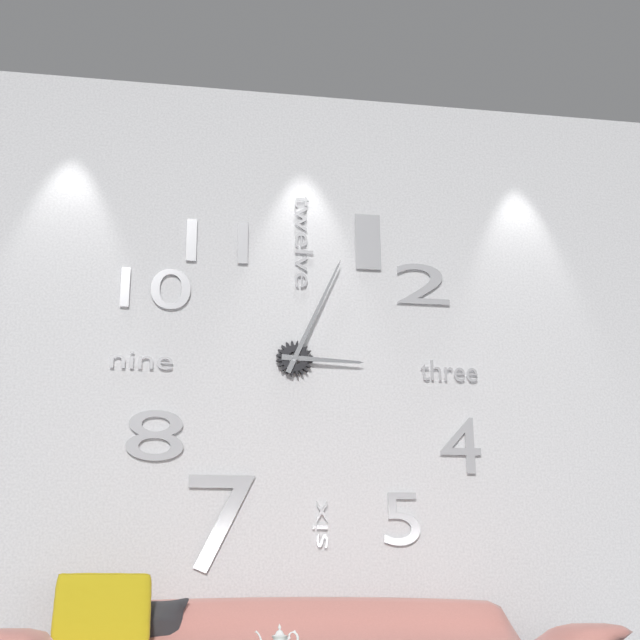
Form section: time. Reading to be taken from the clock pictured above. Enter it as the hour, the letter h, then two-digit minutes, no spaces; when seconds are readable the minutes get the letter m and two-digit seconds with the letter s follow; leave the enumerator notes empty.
3h04
